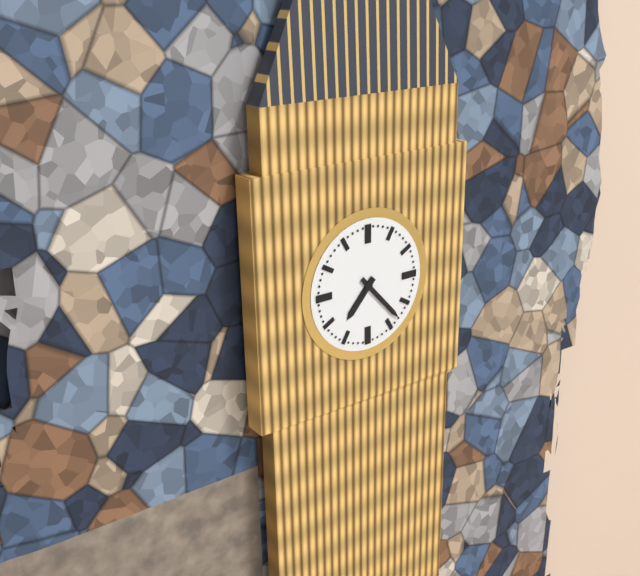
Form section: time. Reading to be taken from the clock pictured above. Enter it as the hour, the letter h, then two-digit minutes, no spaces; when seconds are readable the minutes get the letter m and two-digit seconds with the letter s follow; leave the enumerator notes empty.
7h23
